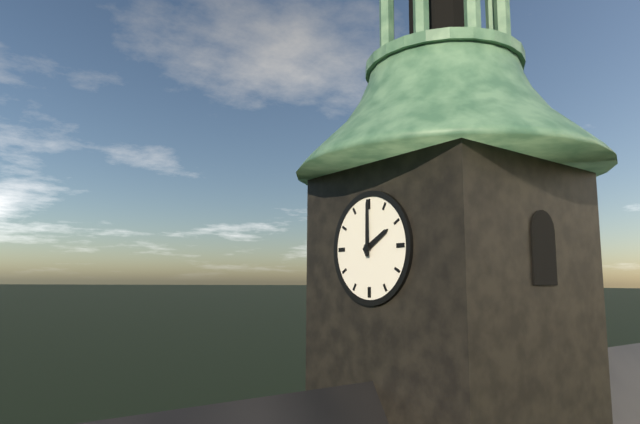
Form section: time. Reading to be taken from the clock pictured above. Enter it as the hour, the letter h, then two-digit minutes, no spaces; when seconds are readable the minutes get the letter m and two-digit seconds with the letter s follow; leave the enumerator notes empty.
2h00
